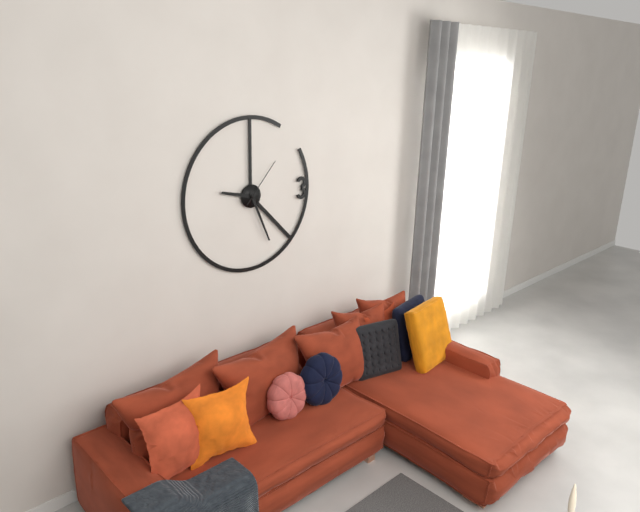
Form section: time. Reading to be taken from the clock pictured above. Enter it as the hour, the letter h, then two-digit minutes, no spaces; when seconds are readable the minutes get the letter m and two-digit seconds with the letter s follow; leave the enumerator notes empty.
9h26m07s
